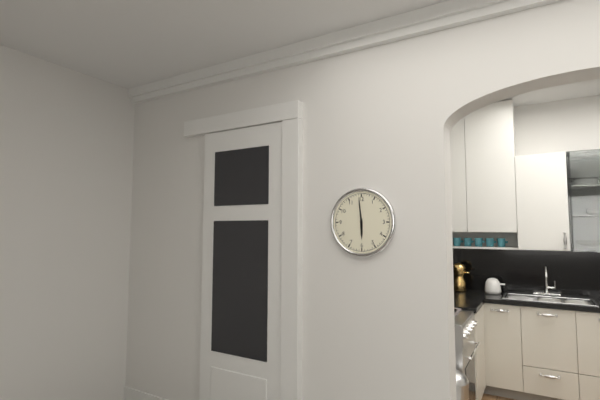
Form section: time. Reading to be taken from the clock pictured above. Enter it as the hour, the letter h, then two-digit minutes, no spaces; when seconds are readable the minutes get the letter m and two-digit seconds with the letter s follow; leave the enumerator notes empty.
5h59
